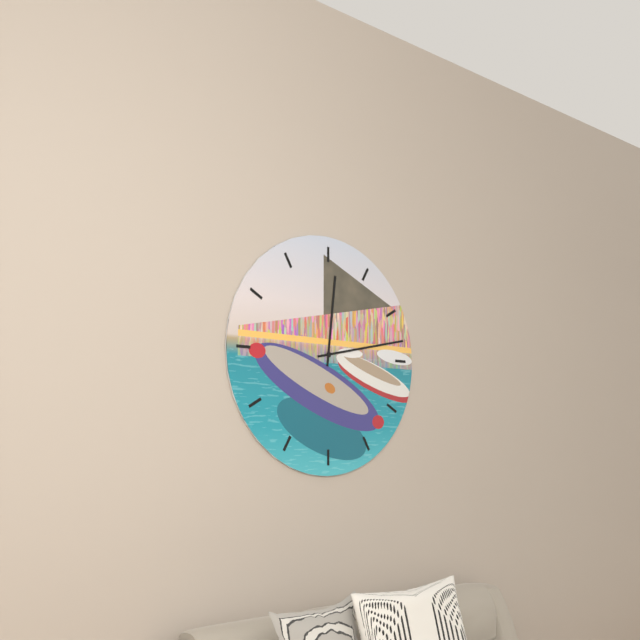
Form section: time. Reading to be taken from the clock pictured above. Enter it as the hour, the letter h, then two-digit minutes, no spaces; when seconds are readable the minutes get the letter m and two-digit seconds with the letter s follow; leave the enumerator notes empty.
12h13
